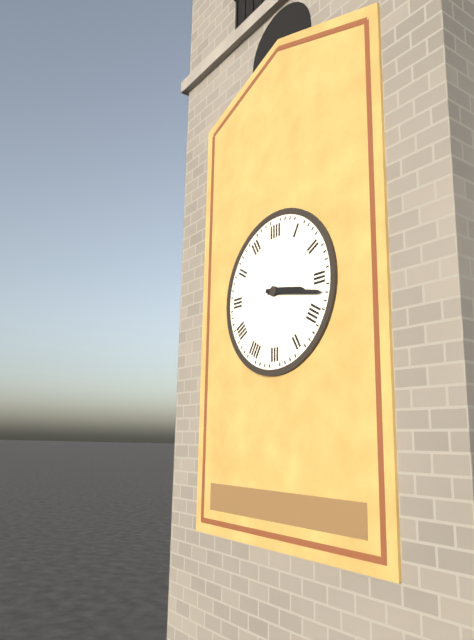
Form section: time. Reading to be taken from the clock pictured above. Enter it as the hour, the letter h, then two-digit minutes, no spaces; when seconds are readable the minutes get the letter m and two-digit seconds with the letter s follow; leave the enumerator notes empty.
3h17
